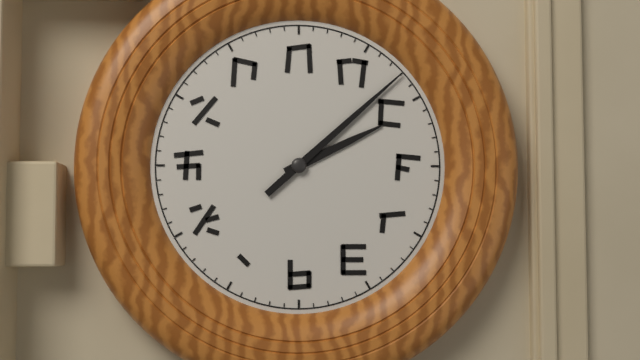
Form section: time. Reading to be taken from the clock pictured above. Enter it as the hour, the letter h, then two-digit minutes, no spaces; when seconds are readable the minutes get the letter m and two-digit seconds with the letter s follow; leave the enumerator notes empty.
2h08
